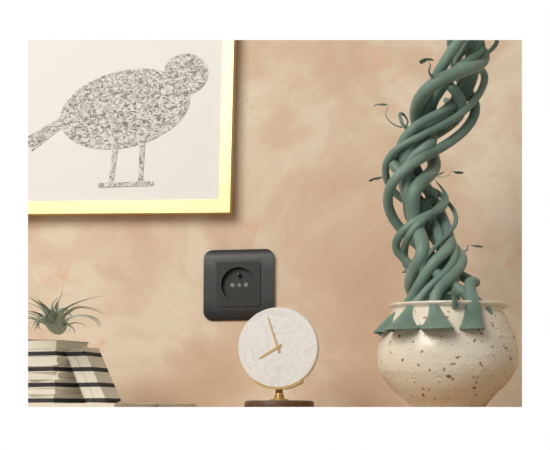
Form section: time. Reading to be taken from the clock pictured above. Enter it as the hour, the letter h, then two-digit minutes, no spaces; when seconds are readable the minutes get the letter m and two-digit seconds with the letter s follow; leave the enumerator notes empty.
7h57
